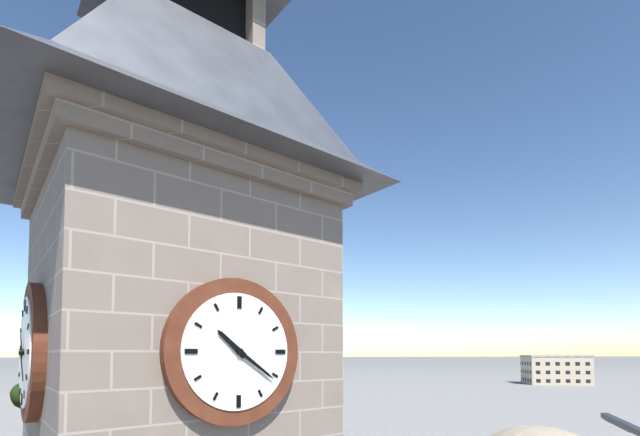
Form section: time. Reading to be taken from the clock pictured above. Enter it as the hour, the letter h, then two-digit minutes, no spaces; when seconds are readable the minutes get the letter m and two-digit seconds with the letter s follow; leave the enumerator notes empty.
10h21
